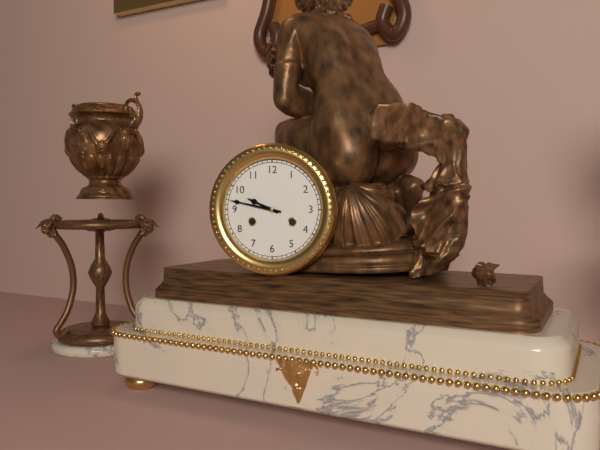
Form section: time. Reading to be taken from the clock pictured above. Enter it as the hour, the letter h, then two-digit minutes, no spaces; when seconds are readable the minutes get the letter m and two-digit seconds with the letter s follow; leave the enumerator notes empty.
9h47
